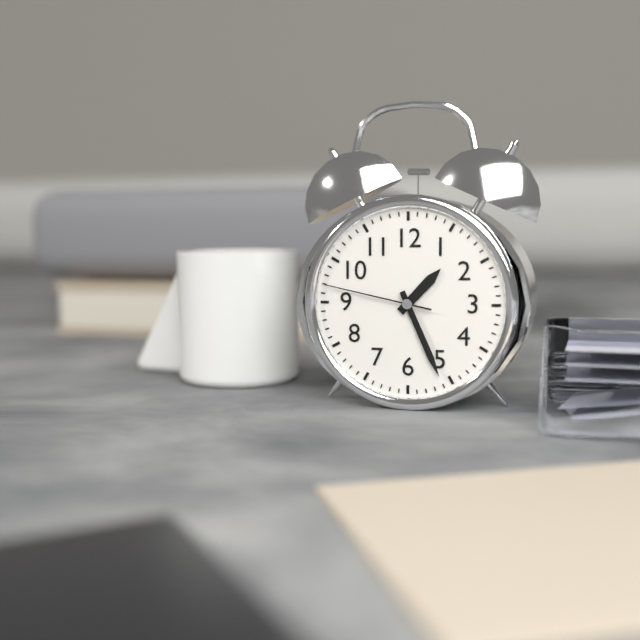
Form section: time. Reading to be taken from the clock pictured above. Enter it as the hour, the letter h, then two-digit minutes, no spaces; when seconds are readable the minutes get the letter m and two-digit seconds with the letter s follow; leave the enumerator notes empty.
1h26m47s
